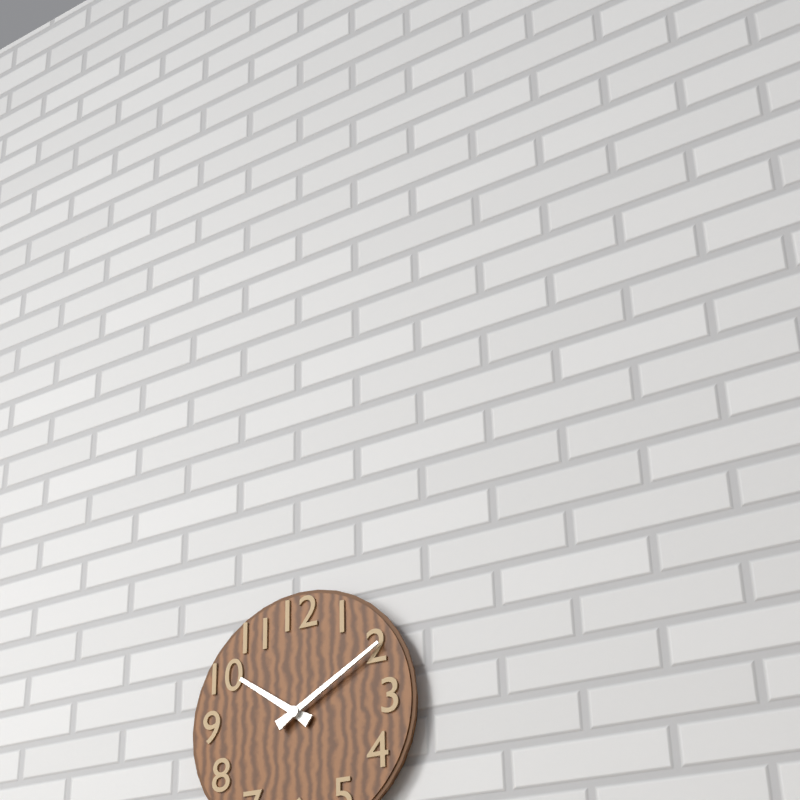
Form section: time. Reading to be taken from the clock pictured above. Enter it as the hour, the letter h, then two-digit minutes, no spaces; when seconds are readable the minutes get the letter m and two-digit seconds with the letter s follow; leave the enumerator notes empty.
10h10
